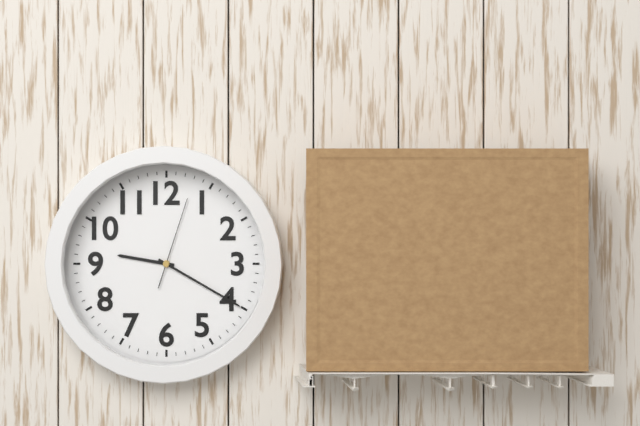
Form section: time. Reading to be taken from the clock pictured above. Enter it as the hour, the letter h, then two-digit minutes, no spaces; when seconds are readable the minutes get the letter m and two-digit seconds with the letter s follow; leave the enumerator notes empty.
9h20m03s
